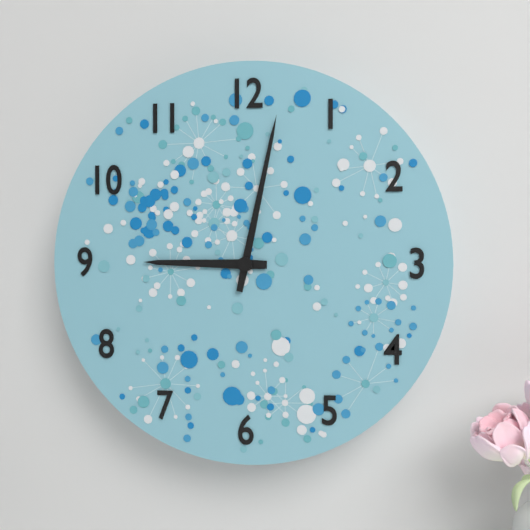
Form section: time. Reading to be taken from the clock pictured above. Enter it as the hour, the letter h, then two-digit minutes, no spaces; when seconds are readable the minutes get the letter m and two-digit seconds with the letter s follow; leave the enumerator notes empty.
9h02
